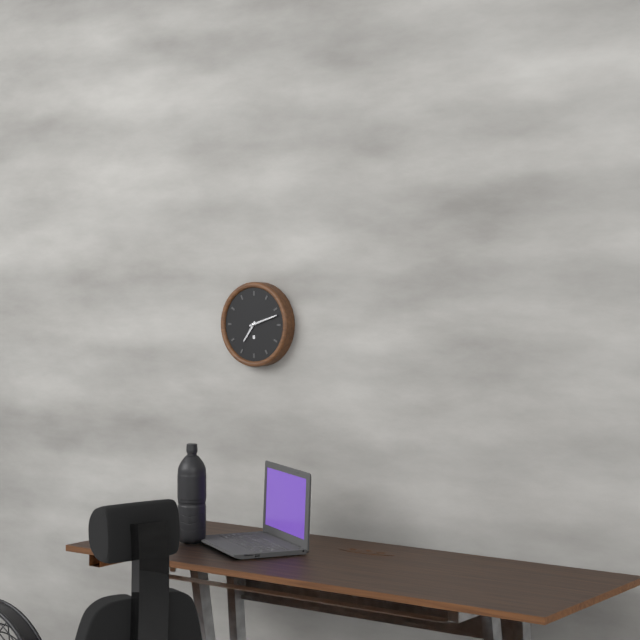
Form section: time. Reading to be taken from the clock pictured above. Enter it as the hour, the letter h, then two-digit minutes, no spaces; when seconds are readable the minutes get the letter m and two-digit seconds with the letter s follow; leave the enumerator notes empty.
7h12
